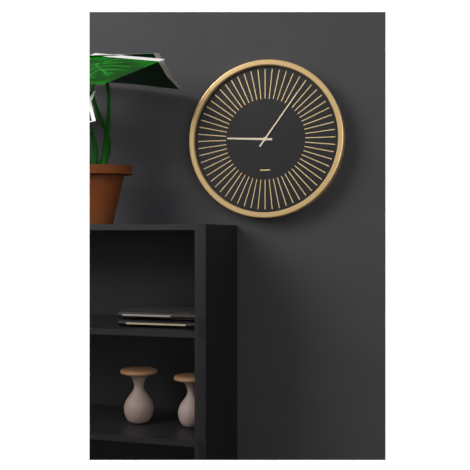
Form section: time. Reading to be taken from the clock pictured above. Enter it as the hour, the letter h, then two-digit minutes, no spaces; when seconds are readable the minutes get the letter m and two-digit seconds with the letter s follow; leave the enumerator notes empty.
9h06
